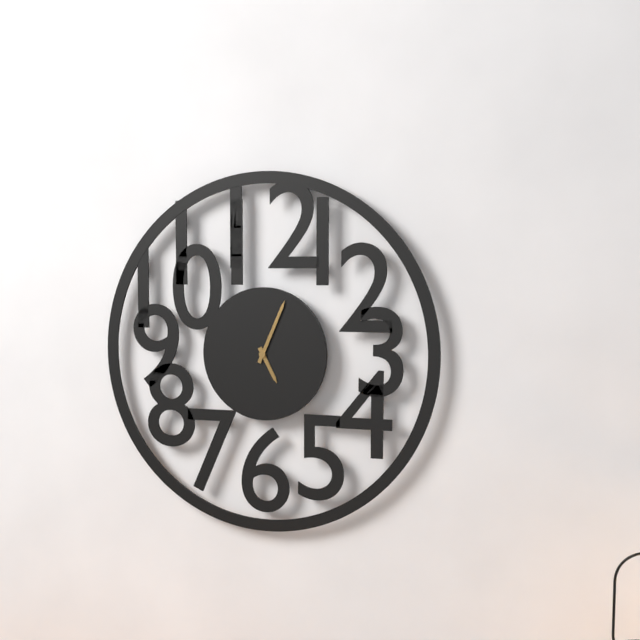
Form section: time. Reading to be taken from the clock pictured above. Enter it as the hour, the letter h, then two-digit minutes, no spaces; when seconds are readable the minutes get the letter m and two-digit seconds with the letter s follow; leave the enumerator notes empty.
5h04
